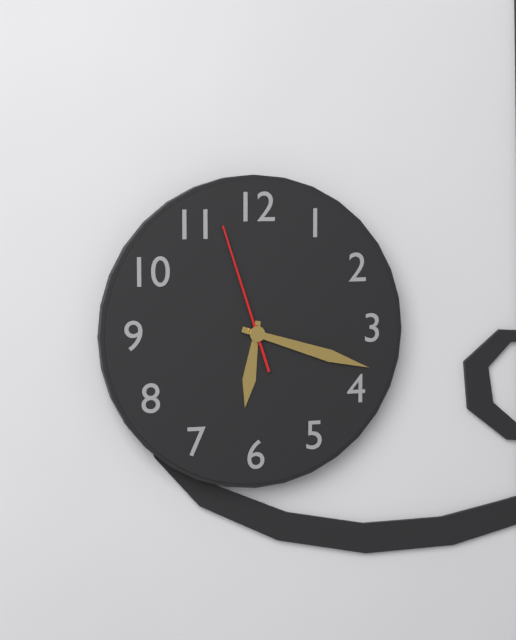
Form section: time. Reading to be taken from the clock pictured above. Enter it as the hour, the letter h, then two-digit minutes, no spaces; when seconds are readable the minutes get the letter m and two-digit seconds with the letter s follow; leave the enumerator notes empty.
6h18m57s
